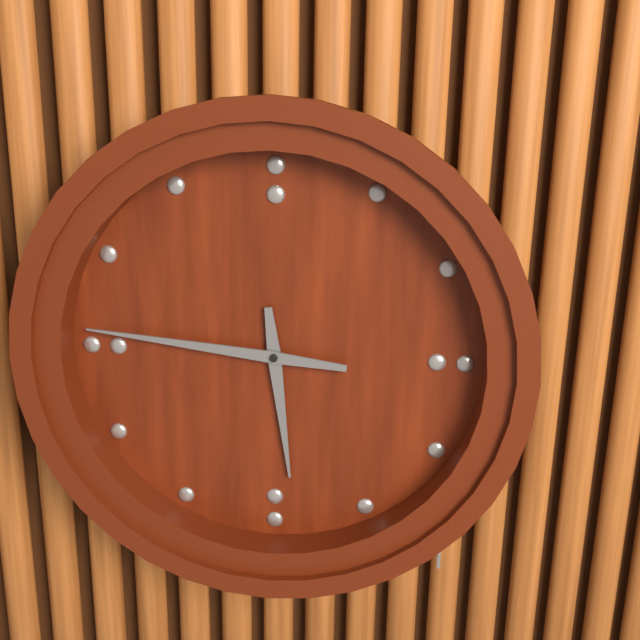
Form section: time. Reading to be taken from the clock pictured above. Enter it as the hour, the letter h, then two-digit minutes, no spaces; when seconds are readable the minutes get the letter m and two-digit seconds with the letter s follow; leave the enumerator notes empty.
5h46
